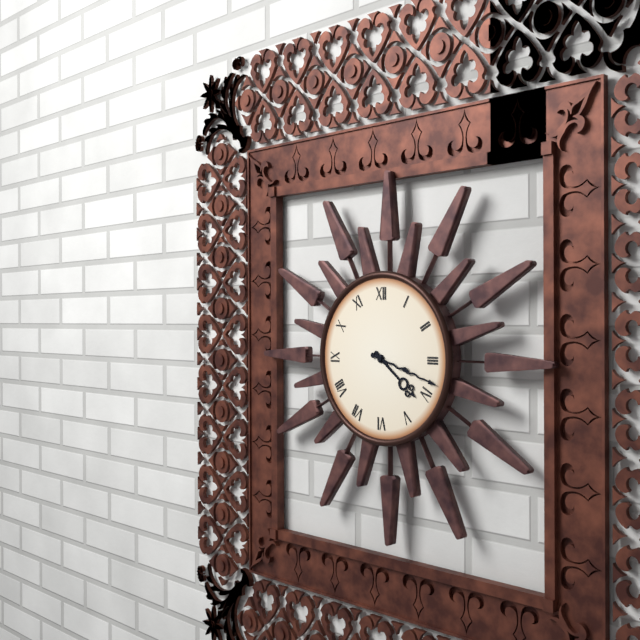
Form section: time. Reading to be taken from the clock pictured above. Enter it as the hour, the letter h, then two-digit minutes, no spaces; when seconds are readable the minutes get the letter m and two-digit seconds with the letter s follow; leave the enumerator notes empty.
4h18
